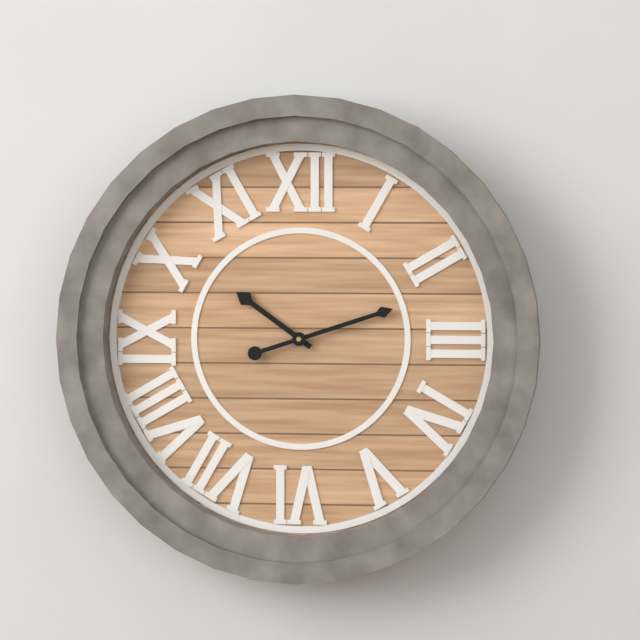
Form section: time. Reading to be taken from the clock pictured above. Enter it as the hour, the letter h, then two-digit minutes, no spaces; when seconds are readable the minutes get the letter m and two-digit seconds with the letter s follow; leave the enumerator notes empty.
10h12
